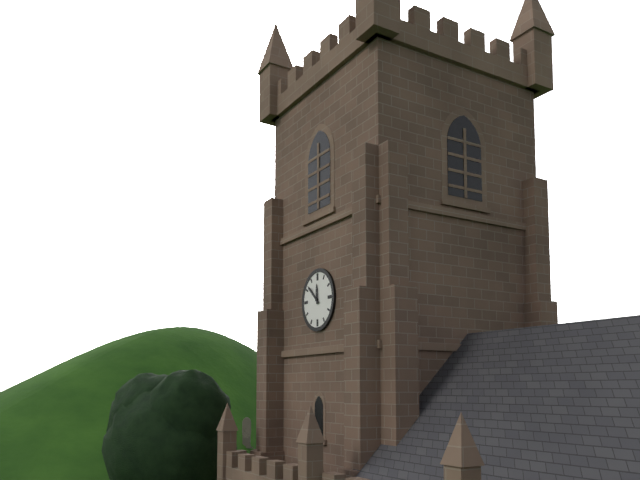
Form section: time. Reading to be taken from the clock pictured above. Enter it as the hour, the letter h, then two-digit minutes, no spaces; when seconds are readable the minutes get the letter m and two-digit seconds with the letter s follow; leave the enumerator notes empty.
11h52
